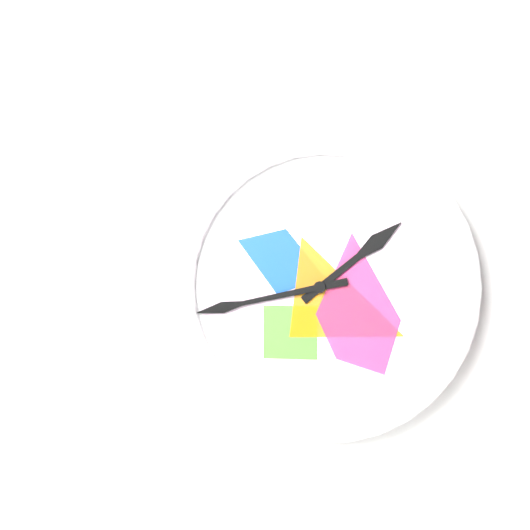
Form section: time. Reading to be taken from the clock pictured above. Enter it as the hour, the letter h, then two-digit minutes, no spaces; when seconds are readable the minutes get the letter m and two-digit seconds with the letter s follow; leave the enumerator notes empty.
1h43
